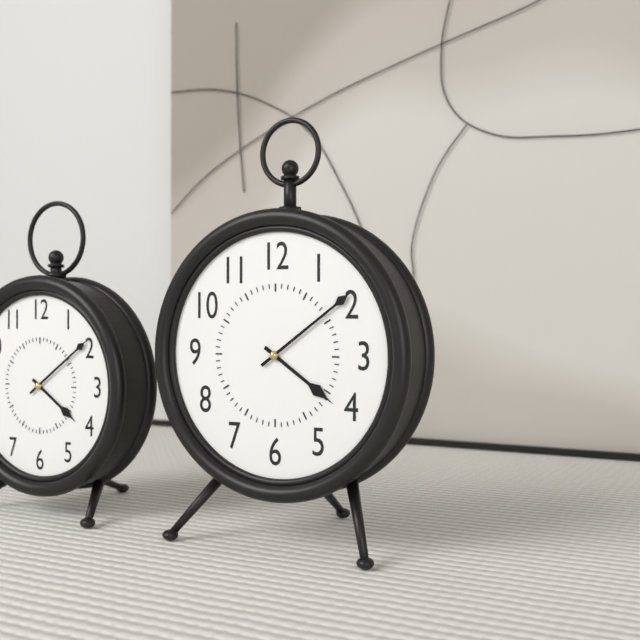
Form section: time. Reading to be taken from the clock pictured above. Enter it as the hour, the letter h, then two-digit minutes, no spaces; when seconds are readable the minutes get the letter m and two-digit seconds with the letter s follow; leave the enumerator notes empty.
4h09
